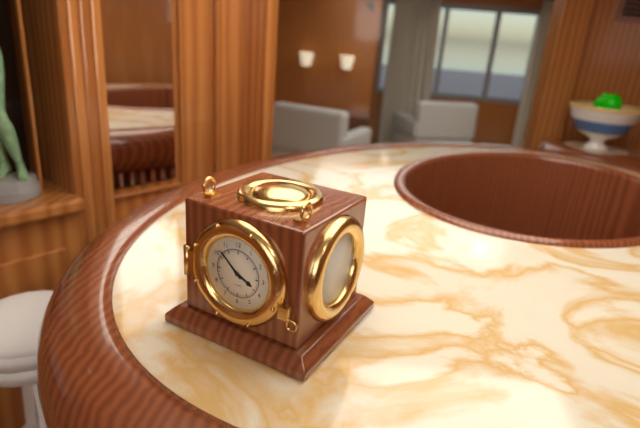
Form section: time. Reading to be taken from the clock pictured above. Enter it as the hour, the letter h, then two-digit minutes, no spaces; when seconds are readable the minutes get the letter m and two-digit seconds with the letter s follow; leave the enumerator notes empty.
3h52
